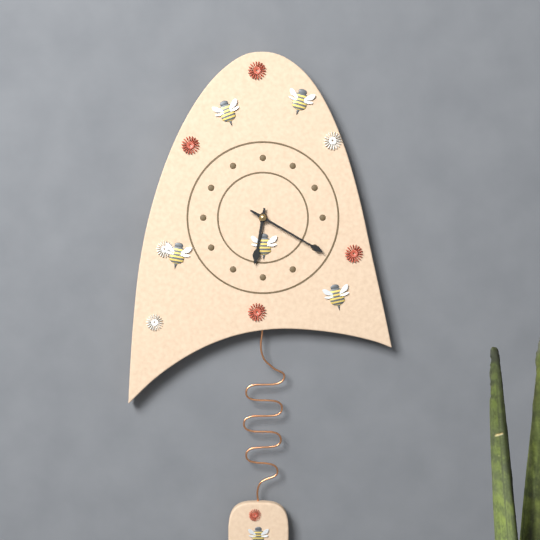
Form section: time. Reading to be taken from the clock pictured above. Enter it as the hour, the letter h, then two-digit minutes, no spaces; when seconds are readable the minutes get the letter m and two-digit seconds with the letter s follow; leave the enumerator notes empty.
6h20
